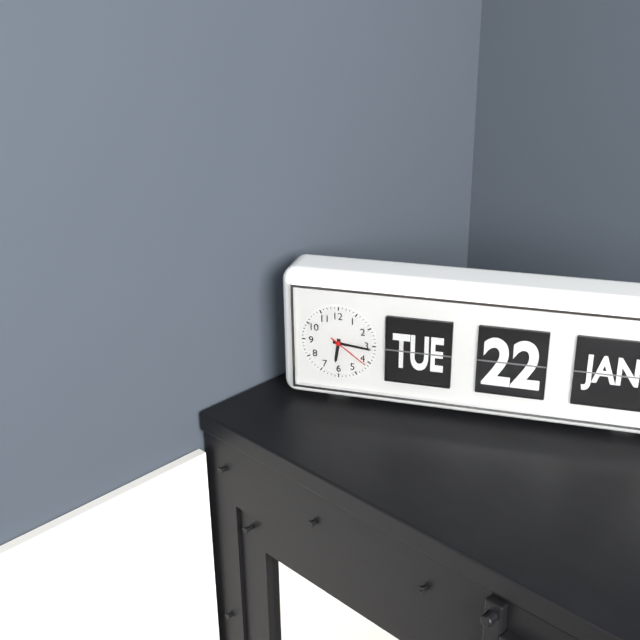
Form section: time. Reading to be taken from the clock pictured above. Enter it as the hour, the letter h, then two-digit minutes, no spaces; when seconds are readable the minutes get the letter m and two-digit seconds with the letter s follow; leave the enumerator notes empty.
6h16
